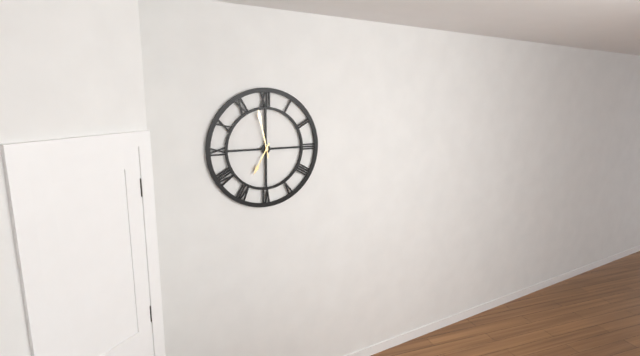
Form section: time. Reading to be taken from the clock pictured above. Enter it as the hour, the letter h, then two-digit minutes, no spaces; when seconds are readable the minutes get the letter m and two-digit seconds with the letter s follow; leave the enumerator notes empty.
6h58
